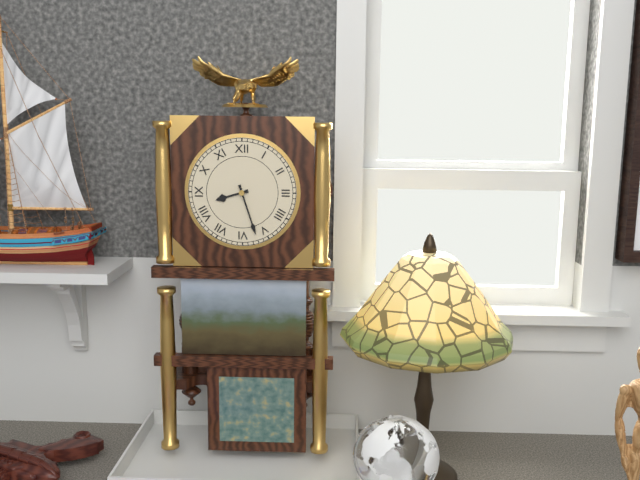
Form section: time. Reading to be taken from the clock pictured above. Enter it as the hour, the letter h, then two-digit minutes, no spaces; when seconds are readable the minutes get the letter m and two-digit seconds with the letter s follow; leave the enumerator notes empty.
8h27
